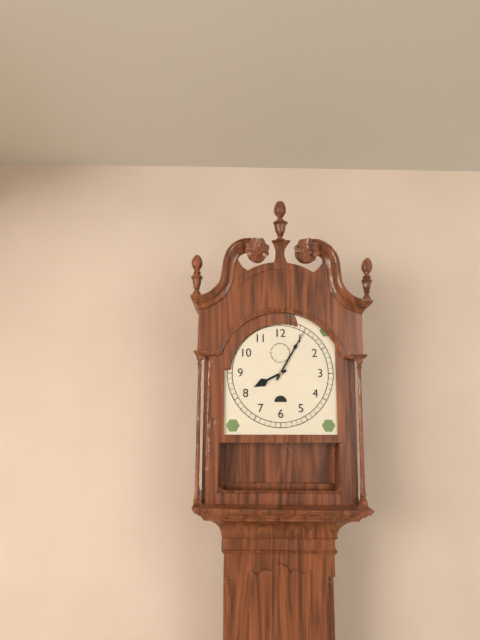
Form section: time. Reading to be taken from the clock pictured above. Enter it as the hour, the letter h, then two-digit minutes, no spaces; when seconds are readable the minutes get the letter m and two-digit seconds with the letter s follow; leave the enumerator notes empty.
8h05
